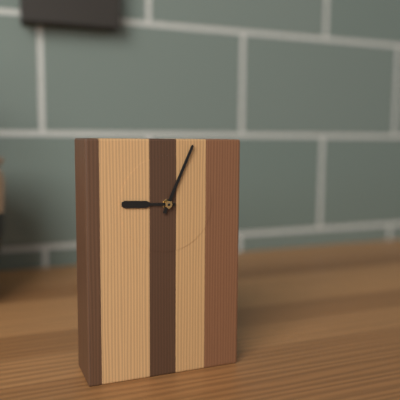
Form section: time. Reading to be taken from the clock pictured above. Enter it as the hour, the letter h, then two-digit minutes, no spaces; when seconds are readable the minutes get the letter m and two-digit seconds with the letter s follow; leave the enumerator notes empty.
9h04
